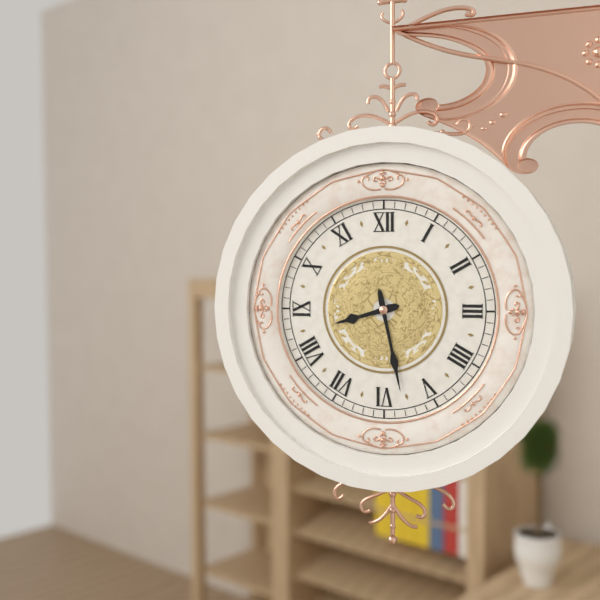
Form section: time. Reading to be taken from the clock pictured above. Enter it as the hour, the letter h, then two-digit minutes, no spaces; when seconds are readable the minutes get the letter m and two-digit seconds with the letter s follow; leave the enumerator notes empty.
8h28
